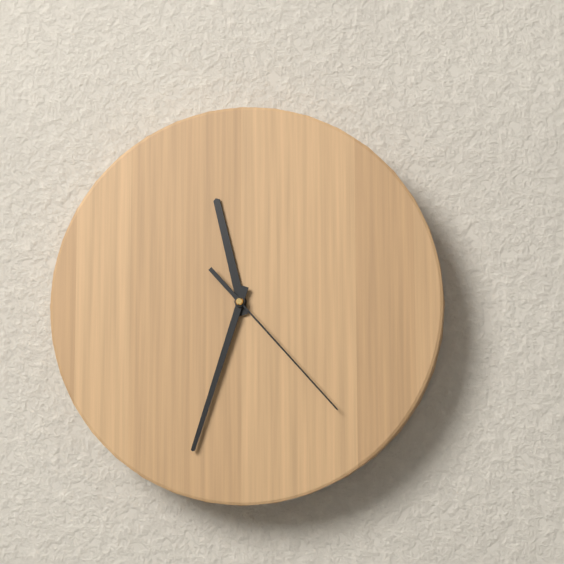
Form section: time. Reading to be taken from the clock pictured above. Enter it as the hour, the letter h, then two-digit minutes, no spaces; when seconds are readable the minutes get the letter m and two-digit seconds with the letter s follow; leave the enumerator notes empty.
11h33m23s
